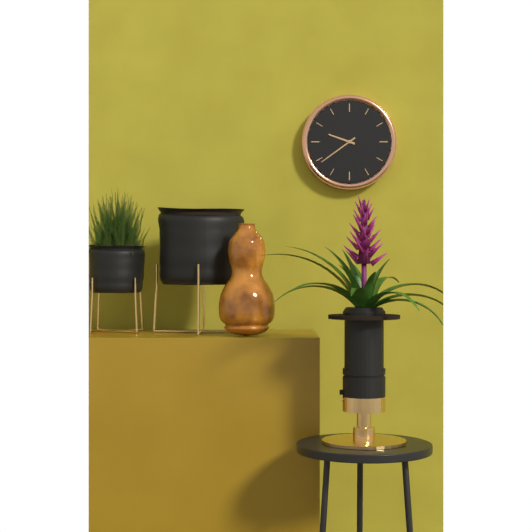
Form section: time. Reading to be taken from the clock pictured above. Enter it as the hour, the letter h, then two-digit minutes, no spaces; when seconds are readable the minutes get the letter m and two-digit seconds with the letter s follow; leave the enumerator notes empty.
9h39
